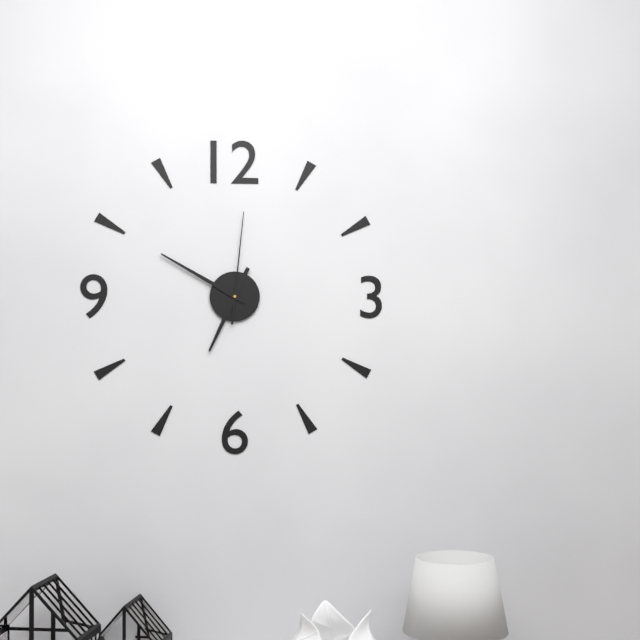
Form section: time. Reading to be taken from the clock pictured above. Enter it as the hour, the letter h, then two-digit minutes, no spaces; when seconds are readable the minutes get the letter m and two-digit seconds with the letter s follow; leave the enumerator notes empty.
6h50m01s
